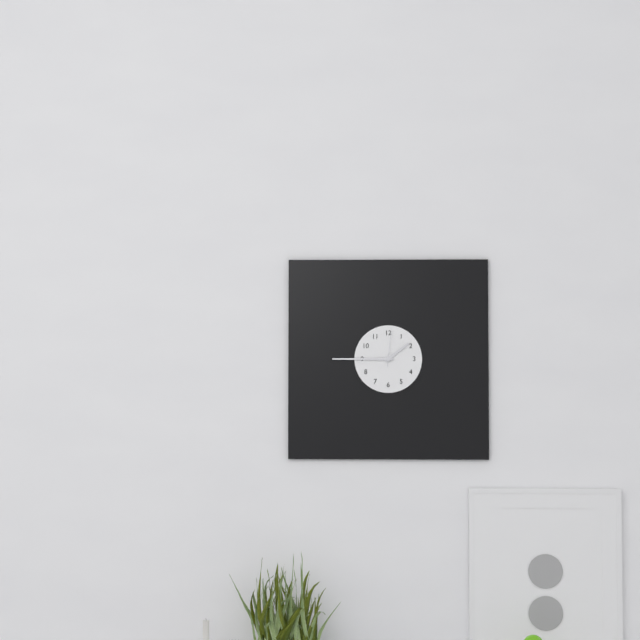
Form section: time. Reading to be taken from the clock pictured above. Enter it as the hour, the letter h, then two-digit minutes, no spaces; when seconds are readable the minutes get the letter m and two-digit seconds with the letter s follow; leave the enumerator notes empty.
1h45
